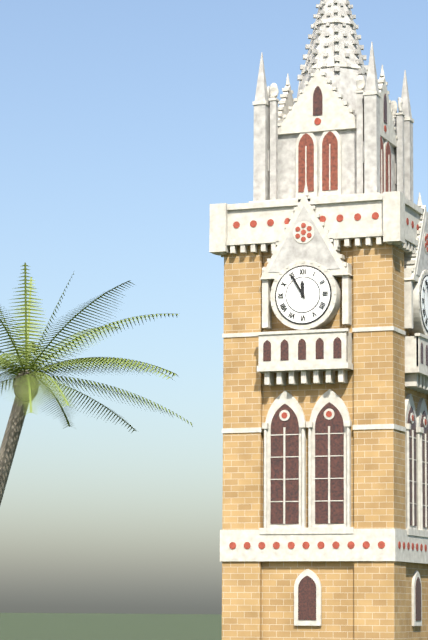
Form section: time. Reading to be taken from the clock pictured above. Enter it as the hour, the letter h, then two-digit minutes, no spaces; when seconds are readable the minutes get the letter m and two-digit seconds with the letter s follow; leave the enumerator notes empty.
11h55
